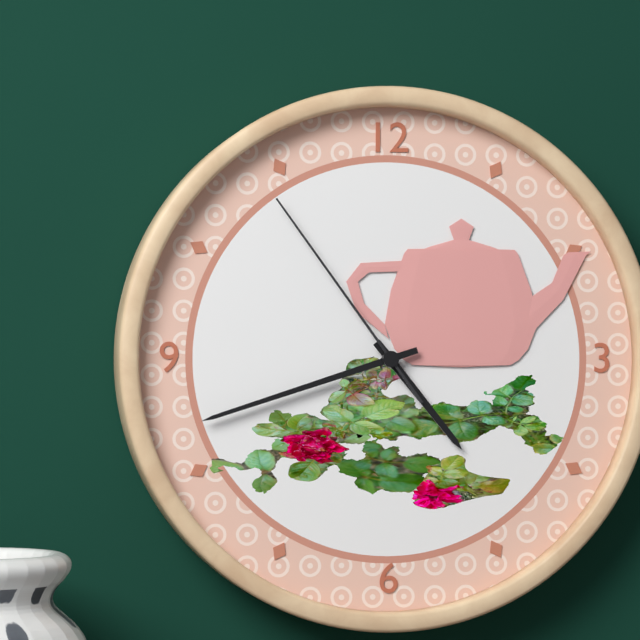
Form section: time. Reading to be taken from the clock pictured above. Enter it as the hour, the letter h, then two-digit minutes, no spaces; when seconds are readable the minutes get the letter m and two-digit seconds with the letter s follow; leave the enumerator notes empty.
4h42m54s
